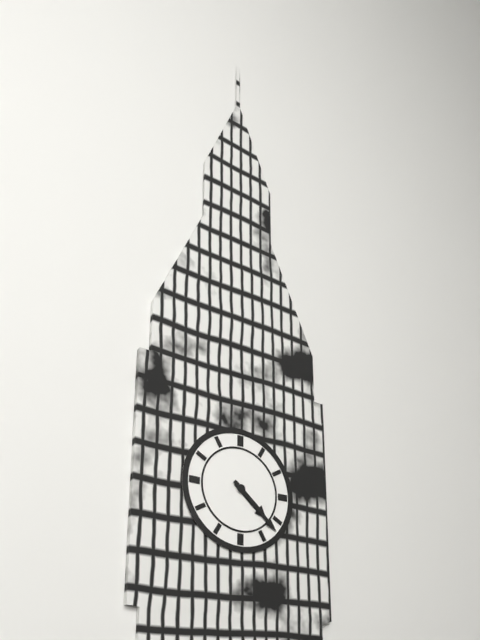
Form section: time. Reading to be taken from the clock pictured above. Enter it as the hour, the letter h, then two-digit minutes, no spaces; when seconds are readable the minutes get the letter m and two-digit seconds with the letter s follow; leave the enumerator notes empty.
4h22
